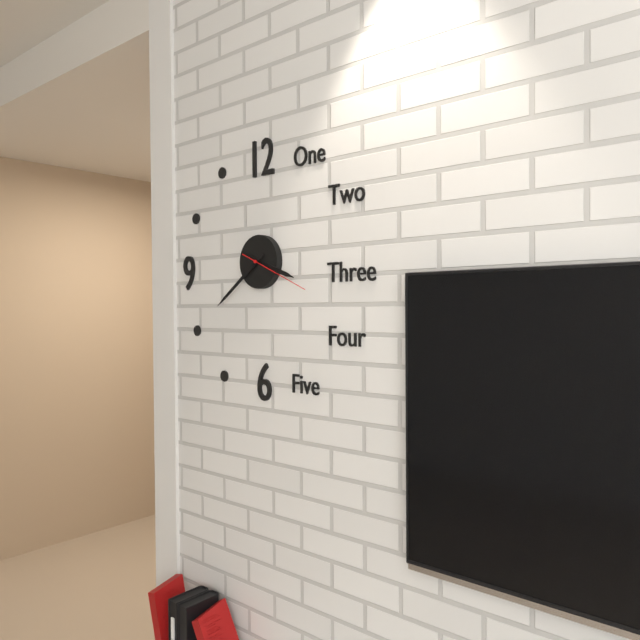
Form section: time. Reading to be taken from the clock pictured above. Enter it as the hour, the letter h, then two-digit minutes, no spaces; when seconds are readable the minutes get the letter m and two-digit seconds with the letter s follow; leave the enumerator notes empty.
3h39m19s
